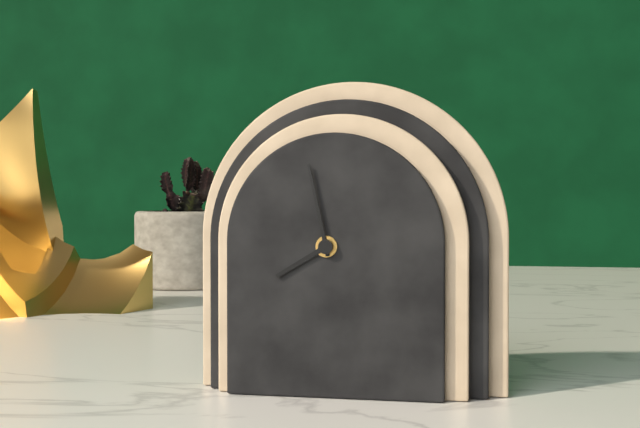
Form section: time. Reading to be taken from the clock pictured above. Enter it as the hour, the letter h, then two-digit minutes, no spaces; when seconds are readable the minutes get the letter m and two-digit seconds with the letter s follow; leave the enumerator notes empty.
7h58
